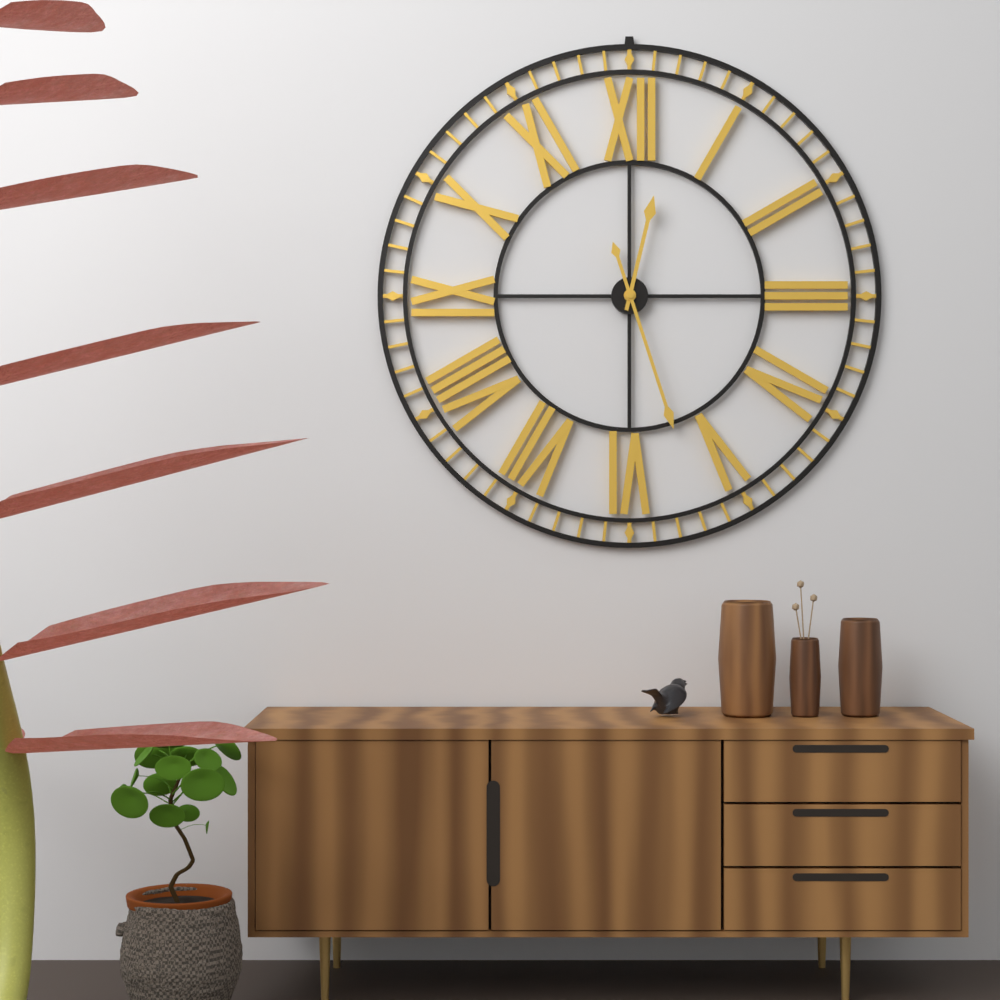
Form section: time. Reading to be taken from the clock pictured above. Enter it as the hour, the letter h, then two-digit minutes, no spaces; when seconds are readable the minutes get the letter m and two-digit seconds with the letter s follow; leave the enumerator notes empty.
12h27
